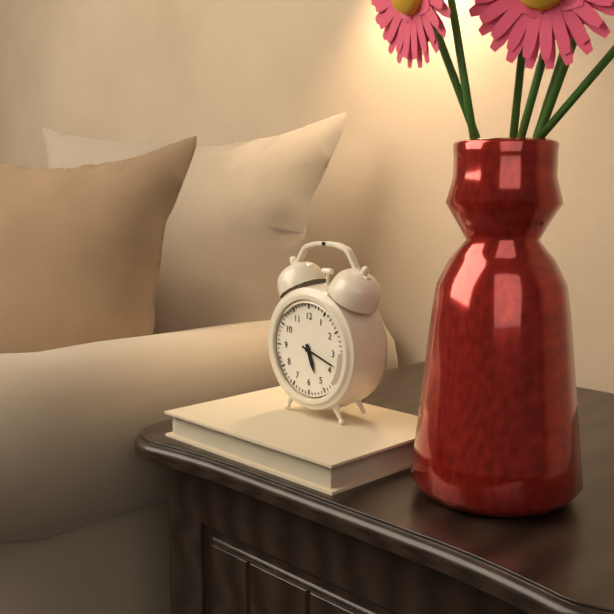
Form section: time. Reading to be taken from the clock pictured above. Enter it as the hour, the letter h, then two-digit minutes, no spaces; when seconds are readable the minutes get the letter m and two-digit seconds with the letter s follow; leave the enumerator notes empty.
5h18
